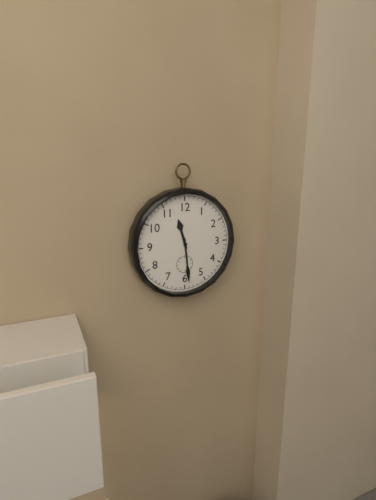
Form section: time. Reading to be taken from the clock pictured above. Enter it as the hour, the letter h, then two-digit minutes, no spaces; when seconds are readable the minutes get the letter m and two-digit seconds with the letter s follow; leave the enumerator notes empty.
11h29
